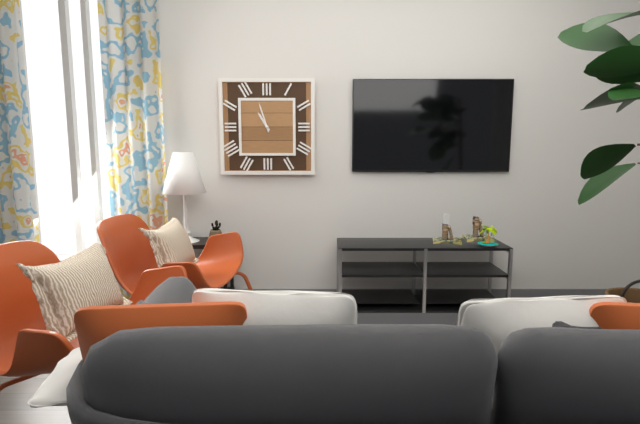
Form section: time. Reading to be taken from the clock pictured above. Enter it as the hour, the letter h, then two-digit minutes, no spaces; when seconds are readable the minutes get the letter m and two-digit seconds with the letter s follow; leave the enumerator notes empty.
10h57
